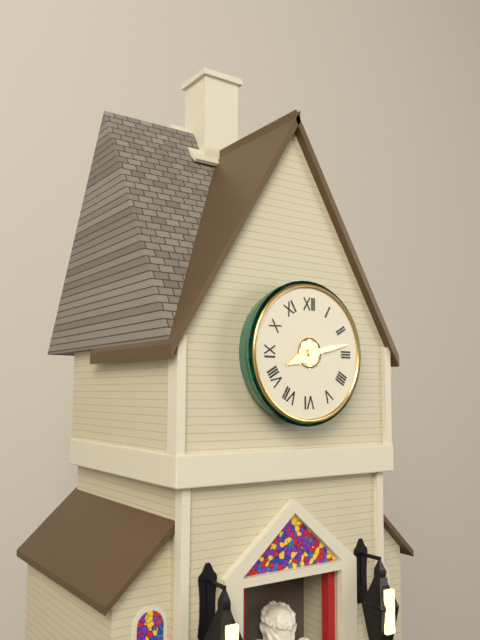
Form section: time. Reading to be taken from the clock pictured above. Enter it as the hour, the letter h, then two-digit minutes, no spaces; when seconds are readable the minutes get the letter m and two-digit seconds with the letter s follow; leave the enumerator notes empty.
8h13
